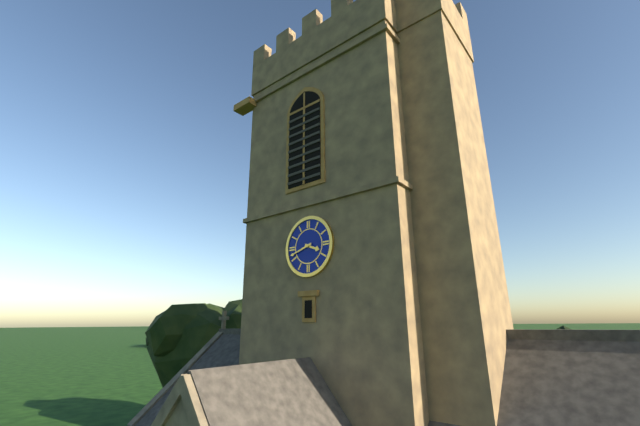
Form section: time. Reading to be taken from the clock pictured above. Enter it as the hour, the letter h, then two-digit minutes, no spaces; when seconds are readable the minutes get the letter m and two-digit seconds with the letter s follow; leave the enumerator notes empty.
3h42
